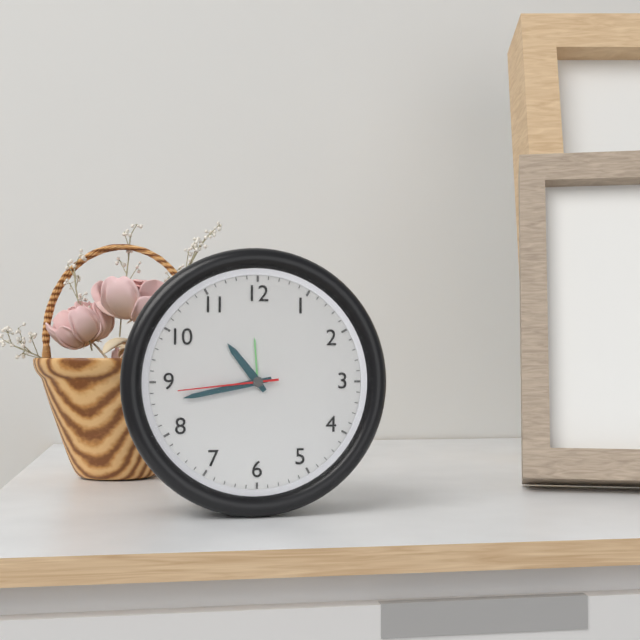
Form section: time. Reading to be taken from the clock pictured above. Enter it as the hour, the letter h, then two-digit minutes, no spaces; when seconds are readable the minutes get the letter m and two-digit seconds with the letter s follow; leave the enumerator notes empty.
10h43m44s
